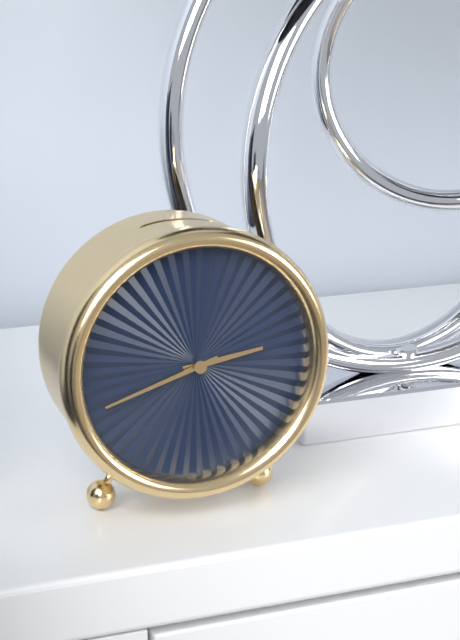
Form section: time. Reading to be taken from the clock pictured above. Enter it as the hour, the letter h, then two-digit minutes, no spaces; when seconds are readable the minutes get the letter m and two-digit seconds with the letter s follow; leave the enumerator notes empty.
2h42
